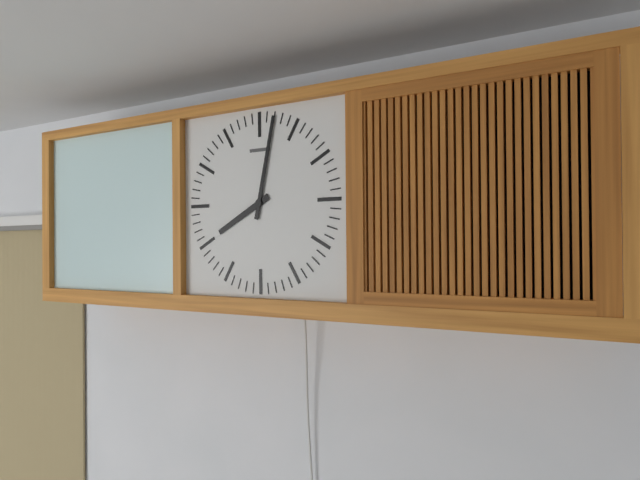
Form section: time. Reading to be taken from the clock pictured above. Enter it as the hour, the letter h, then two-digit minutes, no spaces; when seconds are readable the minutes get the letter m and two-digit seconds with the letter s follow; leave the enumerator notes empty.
8h02
